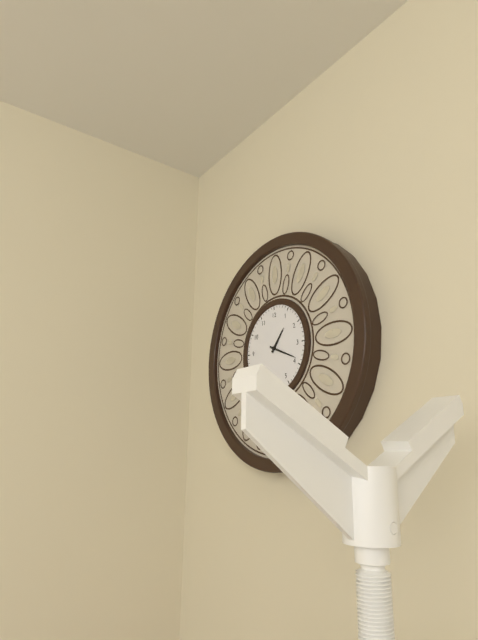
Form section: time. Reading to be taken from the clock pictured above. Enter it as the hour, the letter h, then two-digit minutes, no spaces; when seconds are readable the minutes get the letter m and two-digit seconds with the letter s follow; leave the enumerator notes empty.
1h19
